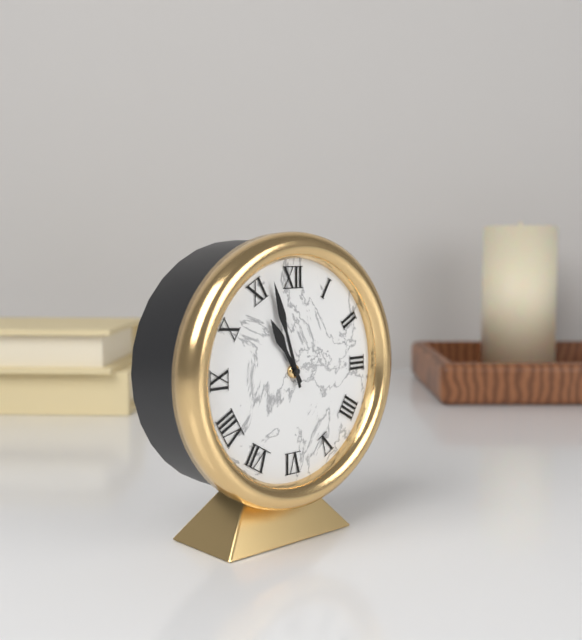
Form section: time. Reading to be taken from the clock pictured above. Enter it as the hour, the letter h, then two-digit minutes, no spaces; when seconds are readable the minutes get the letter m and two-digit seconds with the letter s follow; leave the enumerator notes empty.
10h57
